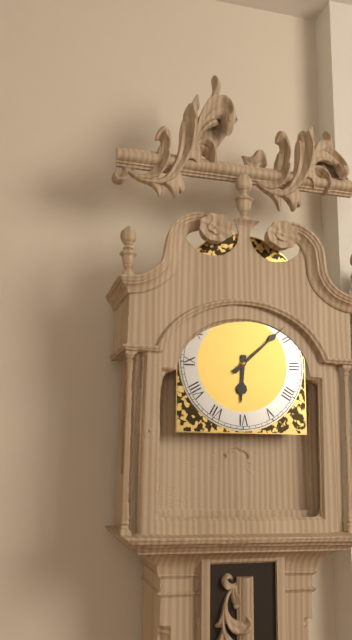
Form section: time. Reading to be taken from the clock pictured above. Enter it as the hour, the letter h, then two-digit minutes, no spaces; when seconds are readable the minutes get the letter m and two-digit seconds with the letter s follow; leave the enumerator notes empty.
6h08
